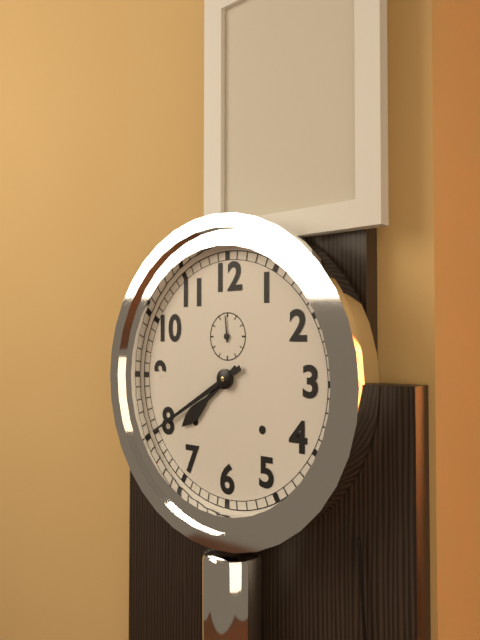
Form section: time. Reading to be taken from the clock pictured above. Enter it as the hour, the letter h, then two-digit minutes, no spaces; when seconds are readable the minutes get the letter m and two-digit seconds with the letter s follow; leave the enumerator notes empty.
7h40
